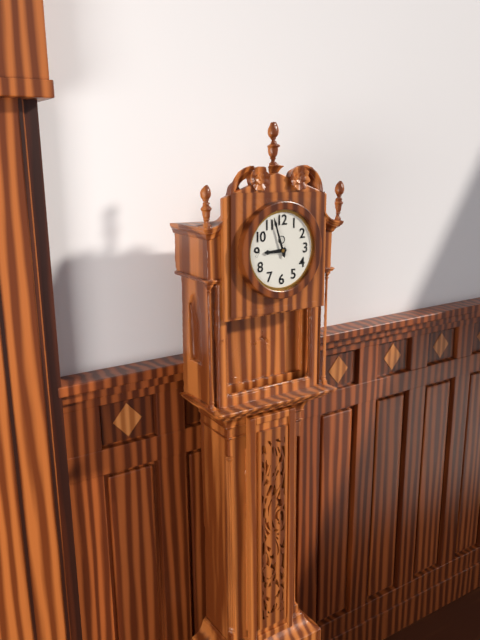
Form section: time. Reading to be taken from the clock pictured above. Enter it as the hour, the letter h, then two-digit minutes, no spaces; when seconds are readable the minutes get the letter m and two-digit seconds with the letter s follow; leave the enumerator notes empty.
8h57
